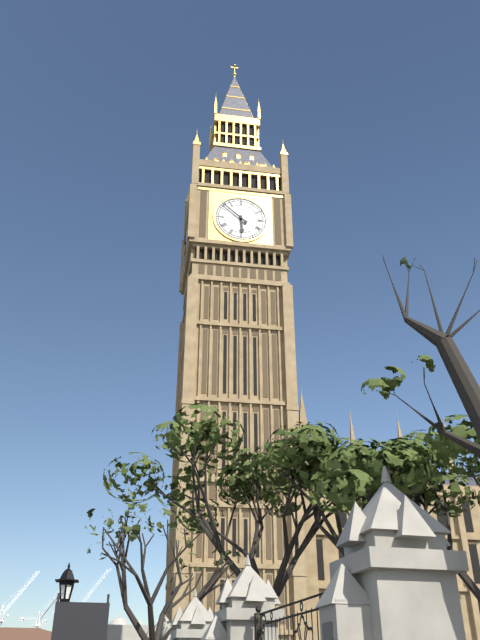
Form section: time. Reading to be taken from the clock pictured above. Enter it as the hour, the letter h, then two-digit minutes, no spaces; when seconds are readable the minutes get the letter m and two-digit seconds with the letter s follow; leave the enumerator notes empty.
5h52
